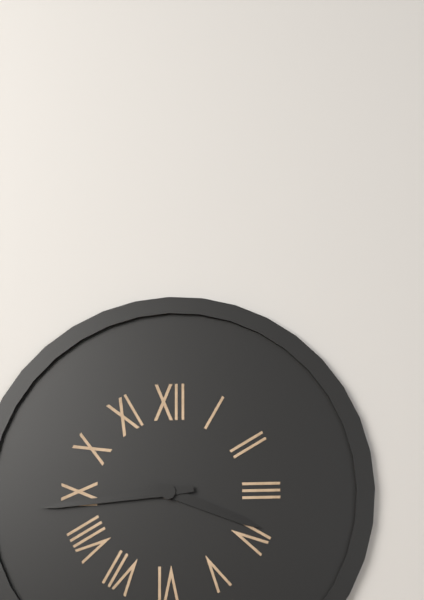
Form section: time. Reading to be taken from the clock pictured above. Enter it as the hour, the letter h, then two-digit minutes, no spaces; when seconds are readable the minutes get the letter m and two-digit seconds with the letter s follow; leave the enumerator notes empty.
3h44
